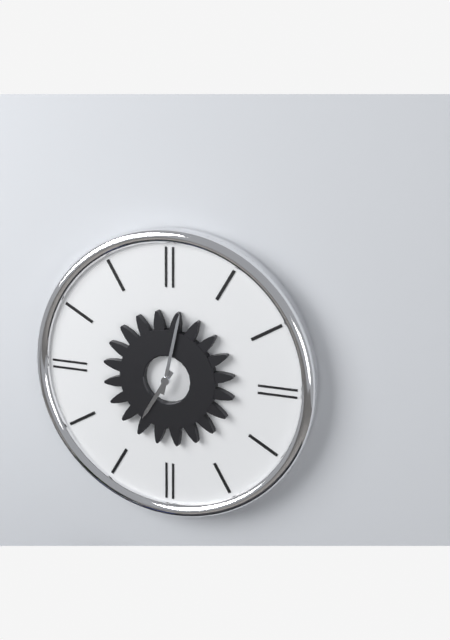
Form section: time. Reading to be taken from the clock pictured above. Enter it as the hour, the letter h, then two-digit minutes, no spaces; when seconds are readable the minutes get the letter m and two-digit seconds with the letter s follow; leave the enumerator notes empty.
7h02
